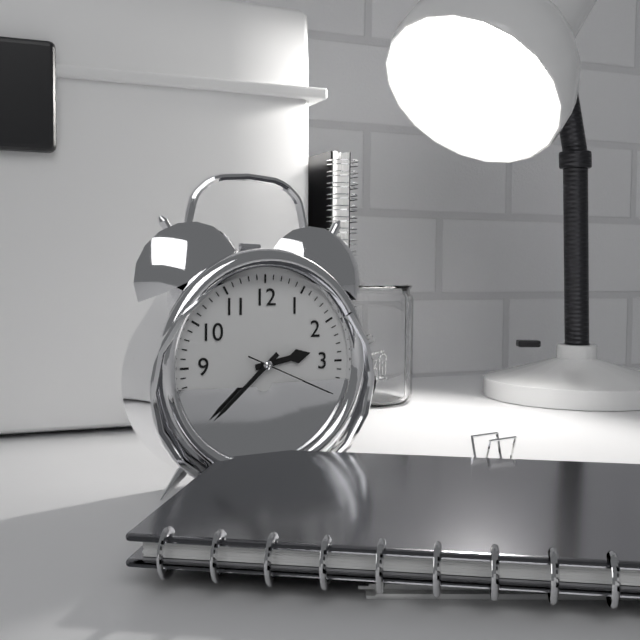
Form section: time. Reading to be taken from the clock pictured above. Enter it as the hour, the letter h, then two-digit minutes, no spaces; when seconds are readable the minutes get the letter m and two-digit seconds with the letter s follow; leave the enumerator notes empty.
2h38m19s
